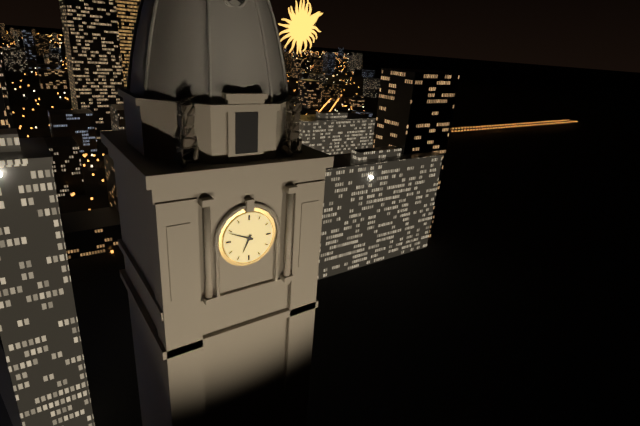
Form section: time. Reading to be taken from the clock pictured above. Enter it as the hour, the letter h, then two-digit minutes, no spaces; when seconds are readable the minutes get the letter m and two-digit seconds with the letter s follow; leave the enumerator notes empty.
6h49
